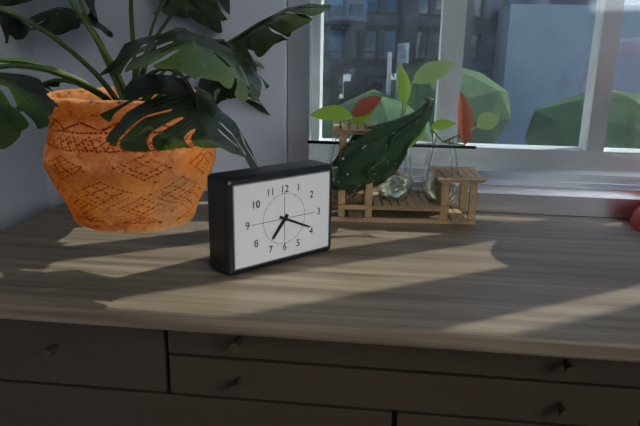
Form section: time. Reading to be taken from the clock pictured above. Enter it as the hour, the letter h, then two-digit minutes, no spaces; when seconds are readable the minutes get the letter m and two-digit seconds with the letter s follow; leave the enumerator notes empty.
7h19
